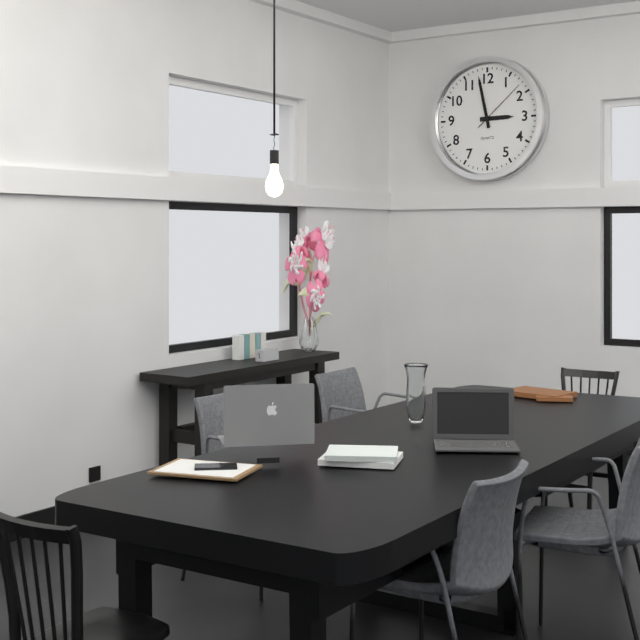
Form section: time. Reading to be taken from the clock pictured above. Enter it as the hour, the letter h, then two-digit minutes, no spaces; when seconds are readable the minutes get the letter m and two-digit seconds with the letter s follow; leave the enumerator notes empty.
2h58m08s
